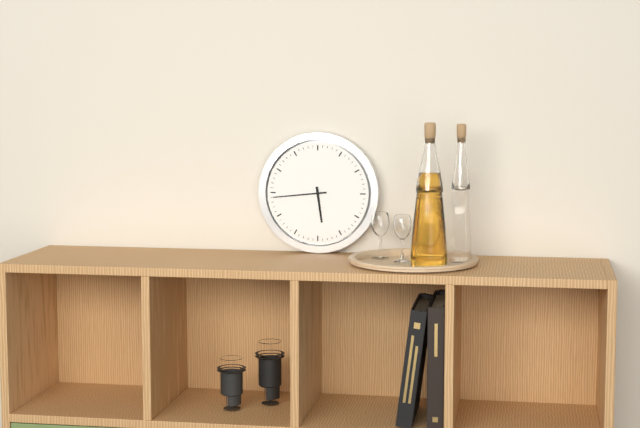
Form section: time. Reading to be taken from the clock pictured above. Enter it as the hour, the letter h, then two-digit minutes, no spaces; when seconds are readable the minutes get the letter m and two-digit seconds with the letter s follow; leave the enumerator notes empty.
5h44
